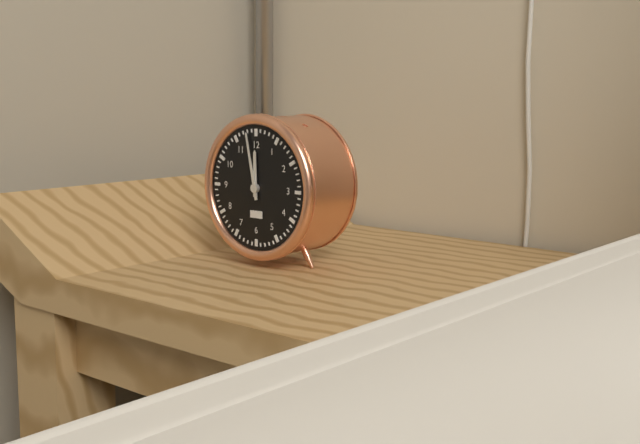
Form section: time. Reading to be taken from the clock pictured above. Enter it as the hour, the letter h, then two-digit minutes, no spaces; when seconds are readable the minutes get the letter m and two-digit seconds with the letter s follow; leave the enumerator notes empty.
11h58
